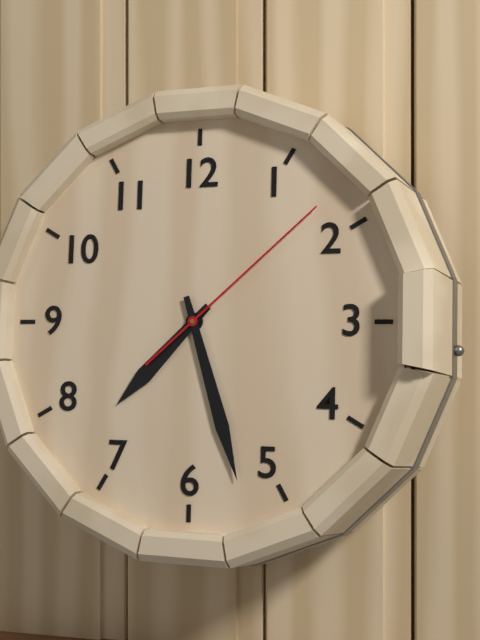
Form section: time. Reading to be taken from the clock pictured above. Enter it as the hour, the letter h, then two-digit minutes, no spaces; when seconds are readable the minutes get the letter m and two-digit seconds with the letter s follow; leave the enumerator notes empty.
7h27m08s
